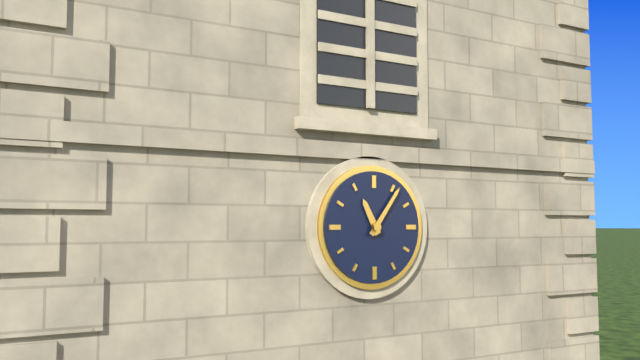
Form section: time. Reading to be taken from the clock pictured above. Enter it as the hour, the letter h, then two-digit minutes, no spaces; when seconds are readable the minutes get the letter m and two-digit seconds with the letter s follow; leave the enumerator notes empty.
11h06
